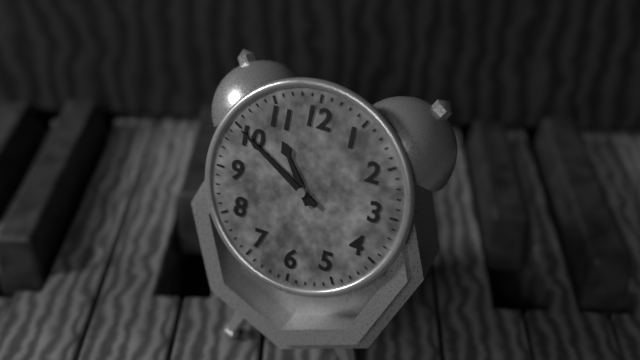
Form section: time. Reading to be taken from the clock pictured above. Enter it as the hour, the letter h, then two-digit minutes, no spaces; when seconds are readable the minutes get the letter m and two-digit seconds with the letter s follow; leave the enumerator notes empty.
10h50
